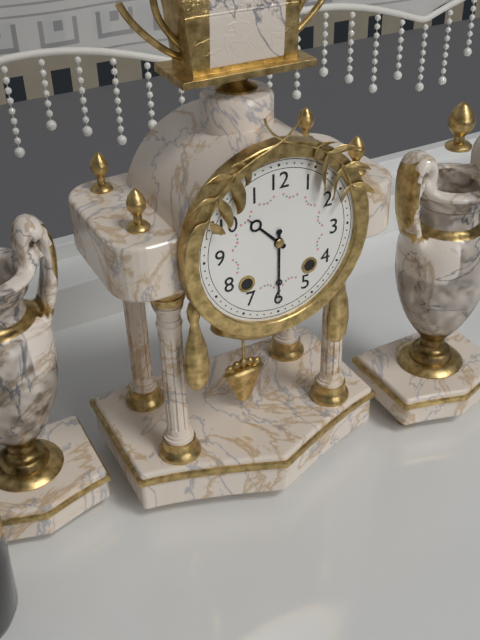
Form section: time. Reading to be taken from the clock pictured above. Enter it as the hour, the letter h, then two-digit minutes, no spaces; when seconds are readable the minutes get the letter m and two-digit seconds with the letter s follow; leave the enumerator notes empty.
10h30
